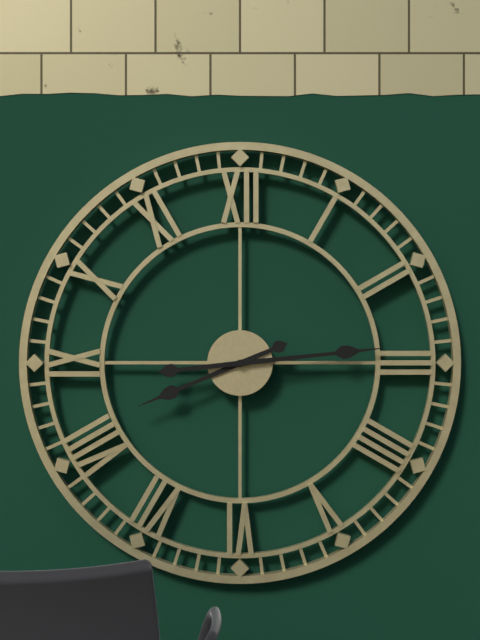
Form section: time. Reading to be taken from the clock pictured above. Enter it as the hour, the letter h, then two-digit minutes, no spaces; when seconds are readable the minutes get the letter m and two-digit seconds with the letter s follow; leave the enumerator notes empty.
8h14
